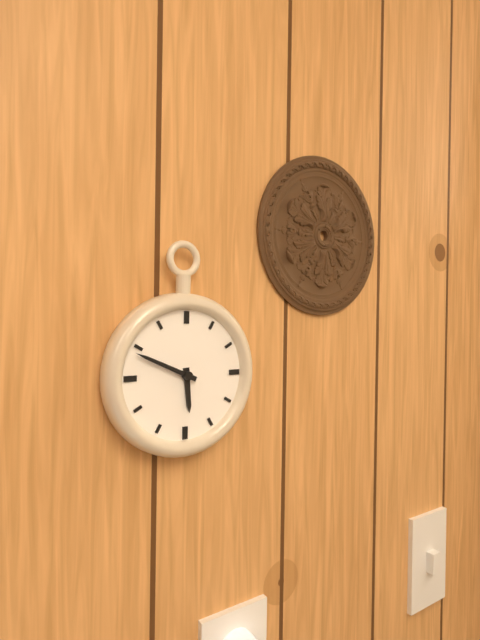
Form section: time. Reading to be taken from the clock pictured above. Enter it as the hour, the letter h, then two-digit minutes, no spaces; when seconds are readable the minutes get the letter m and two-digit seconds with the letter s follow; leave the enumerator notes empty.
5h49
